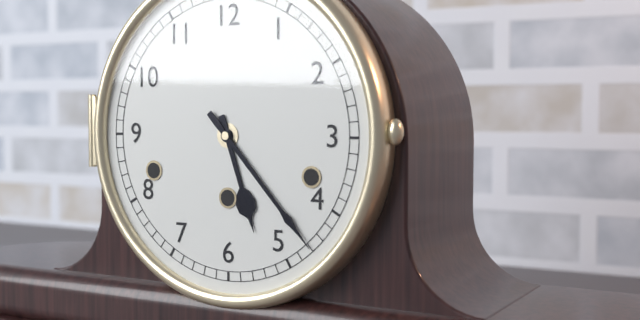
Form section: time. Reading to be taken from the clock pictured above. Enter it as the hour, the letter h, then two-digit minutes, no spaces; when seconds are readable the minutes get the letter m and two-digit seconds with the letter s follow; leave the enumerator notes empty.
5h23
